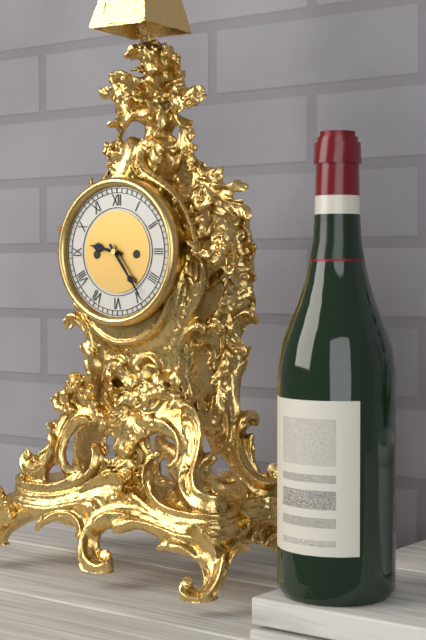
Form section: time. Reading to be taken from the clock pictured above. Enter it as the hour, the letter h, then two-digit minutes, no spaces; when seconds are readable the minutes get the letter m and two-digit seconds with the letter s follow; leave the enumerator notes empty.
9h24
